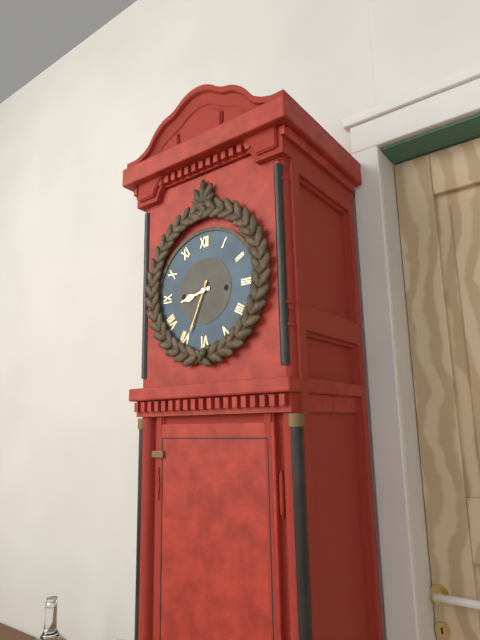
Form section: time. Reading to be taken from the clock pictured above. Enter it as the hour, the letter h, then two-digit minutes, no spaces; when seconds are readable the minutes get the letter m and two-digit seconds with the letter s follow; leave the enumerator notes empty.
8h34
